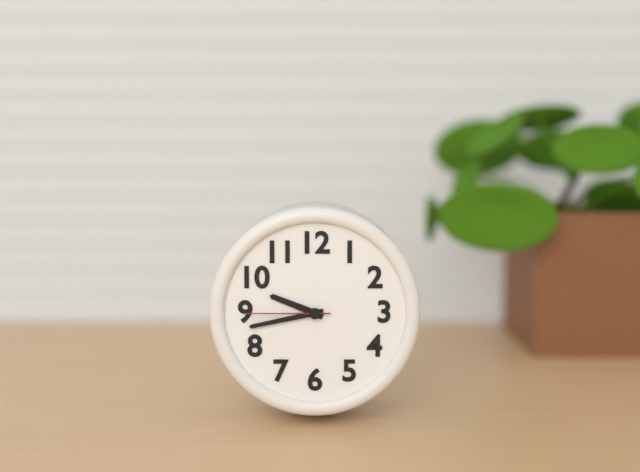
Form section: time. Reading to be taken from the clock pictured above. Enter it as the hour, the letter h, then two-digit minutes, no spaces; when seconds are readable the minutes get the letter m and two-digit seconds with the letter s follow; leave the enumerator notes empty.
9h43m45s
